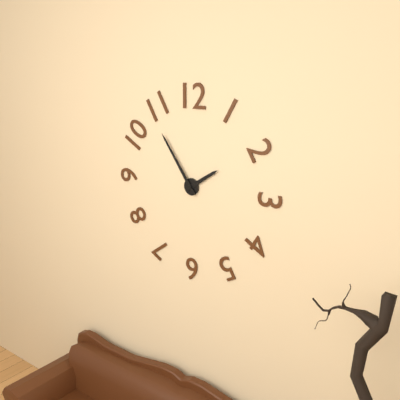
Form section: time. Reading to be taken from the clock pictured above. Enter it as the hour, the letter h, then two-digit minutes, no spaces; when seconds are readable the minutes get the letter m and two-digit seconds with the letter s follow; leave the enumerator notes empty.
1h54
